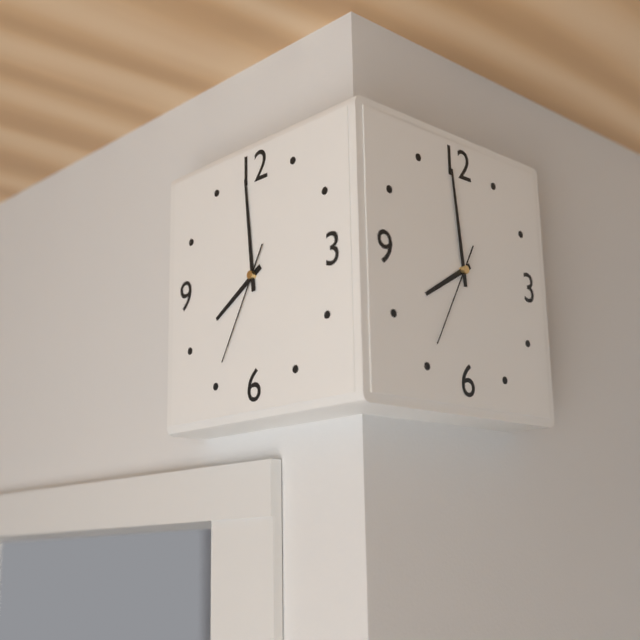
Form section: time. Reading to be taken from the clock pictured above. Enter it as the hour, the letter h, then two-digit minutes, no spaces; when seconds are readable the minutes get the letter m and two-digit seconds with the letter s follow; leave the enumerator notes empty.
7h59m35s
